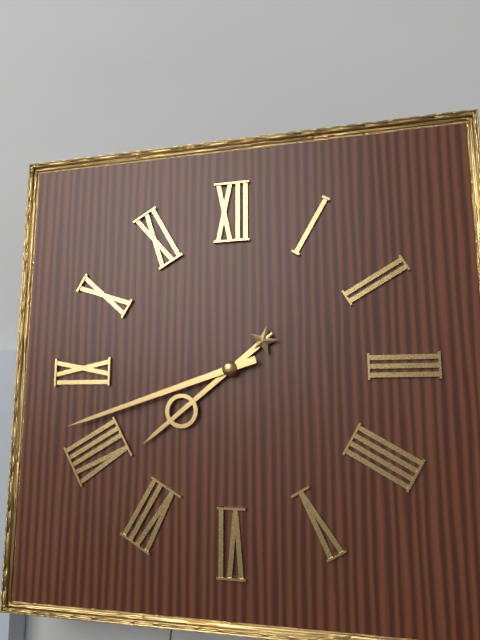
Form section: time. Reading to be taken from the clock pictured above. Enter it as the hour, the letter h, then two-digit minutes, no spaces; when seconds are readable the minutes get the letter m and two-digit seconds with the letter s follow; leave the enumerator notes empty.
7h42
